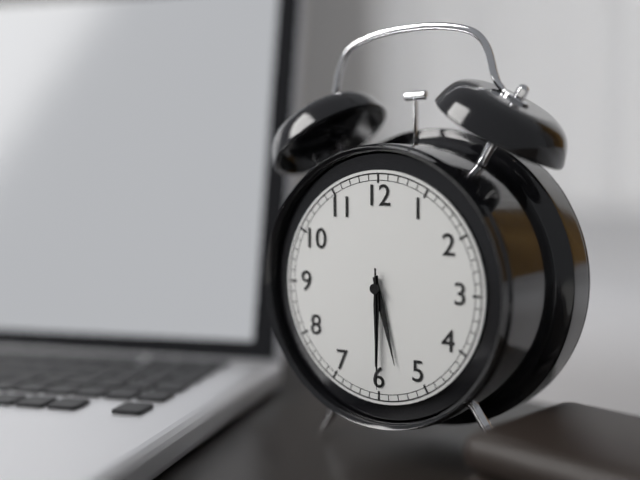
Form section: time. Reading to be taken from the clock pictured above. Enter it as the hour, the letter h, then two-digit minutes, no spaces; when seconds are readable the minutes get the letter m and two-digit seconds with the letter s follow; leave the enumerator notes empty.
5h30m30s
